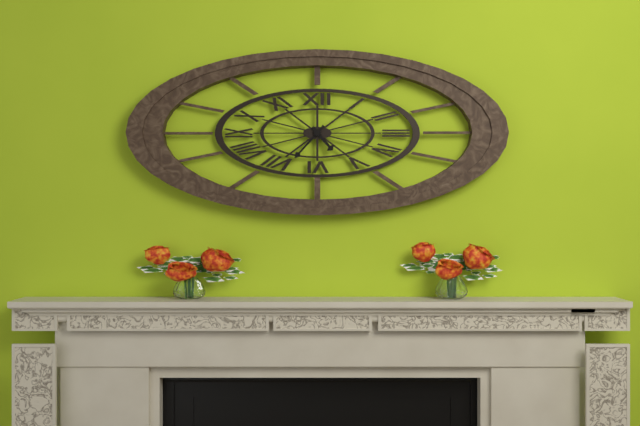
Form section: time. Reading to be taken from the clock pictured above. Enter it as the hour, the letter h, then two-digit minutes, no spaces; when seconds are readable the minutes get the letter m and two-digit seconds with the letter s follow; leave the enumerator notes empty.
4h37
